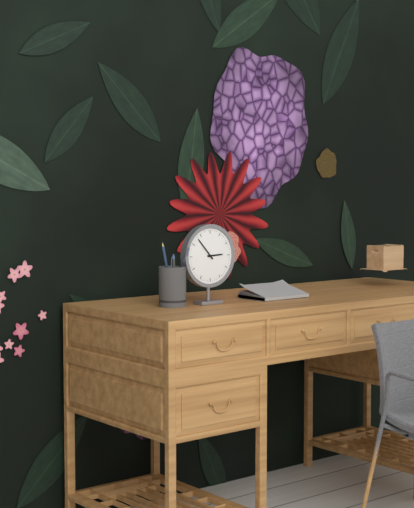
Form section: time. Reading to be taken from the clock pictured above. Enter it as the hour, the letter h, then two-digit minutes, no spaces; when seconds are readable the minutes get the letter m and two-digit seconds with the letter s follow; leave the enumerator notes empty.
2h53
